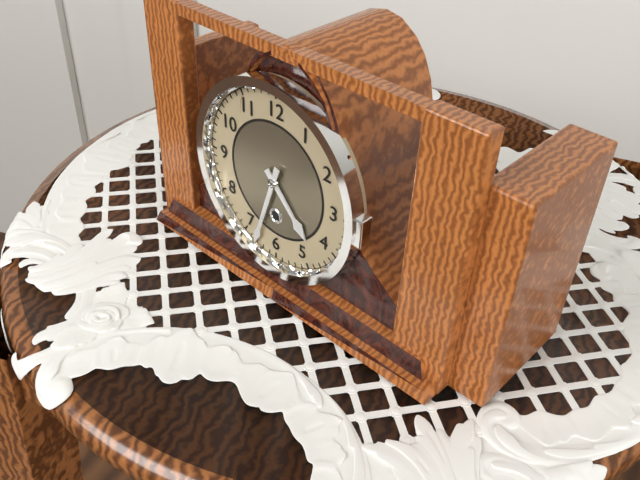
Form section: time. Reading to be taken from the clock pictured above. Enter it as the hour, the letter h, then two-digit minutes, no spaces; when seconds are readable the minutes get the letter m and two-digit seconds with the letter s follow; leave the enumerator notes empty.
4h33
